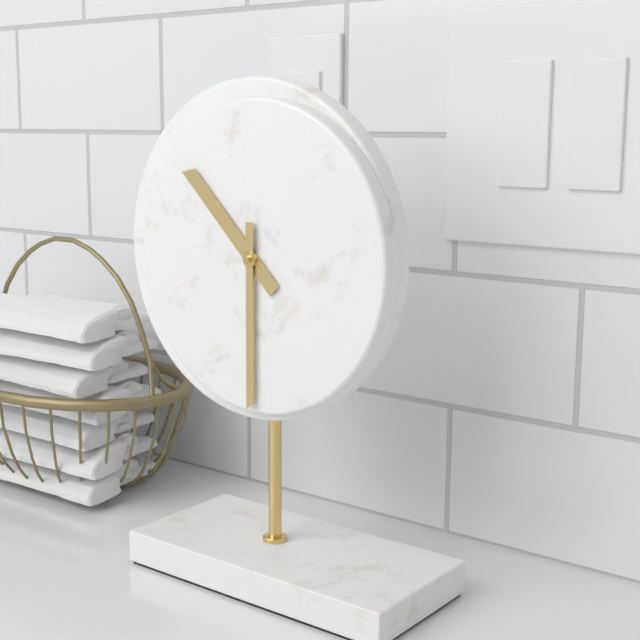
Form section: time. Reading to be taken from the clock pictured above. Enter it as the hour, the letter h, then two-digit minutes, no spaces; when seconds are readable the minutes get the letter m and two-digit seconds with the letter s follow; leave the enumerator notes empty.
10h30
